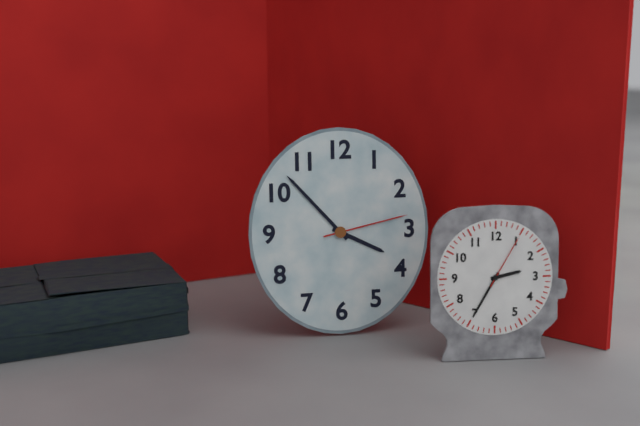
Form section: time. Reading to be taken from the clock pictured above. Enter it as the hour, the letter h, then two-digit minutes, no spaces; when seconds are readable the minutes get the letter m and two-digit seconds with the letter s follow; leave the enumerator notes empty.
3h53m13s
